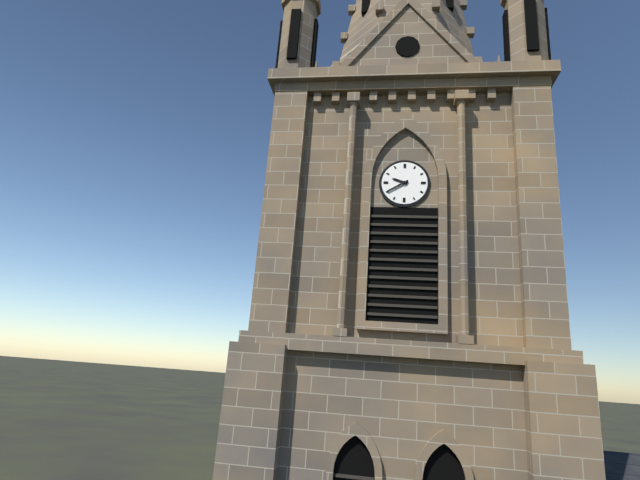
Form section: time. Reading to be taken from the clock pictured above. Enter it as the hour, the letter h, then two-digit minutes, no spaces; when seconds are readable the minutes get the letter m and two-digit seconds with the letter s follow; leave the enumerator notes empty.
9h40
